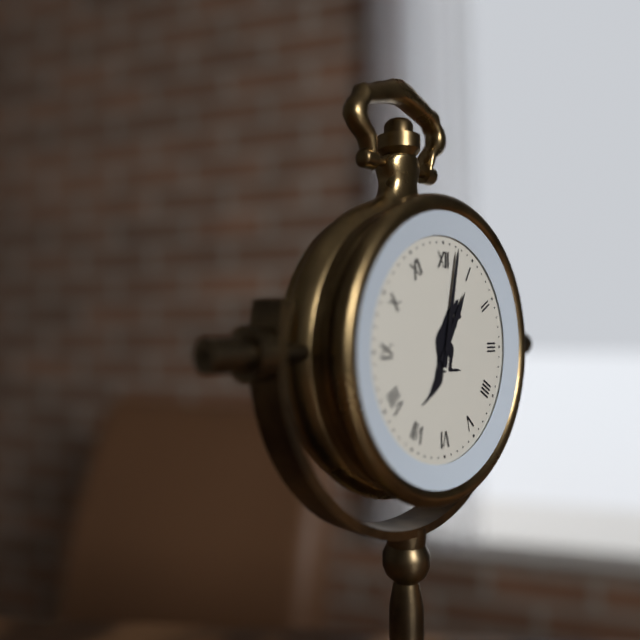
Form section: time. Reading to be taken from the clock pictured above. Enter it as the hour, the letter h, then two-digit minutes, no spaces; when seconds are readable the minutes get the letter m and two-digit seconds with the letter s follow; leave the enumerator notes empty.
1h02
